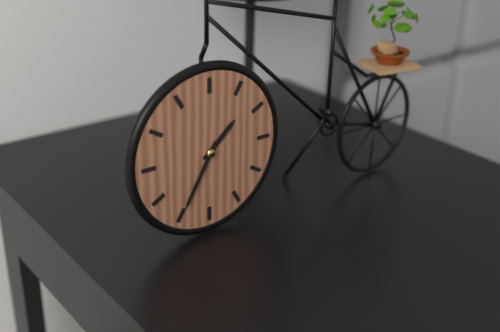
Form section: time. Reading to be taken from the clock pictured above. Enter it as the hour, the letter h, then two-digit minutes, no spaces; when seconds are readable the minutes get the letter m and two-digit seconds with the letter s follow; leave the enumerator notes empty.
1h35
